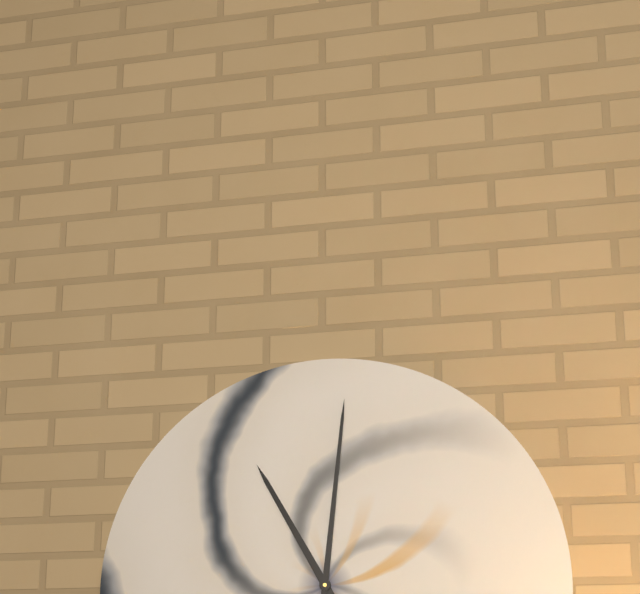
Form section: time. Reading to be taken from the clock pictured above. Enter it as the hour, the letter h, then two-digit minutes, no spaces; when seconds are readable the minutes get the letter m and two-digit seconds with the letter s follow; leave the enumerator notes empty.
11h01
